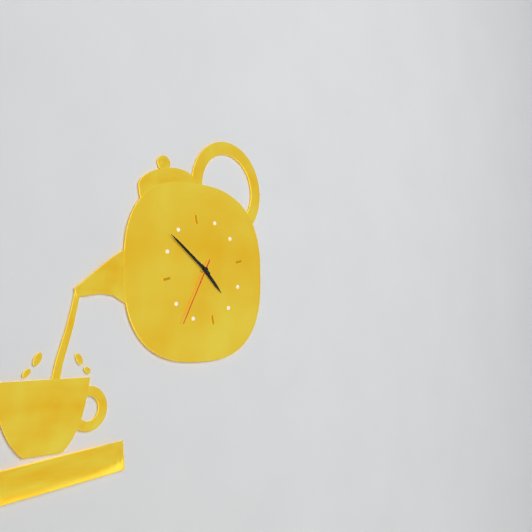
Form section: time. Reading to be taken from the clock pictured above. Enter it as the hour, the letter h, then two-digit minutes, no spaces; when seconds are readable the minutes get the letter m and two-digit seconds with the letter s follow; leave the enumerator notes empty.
4h53m37s
